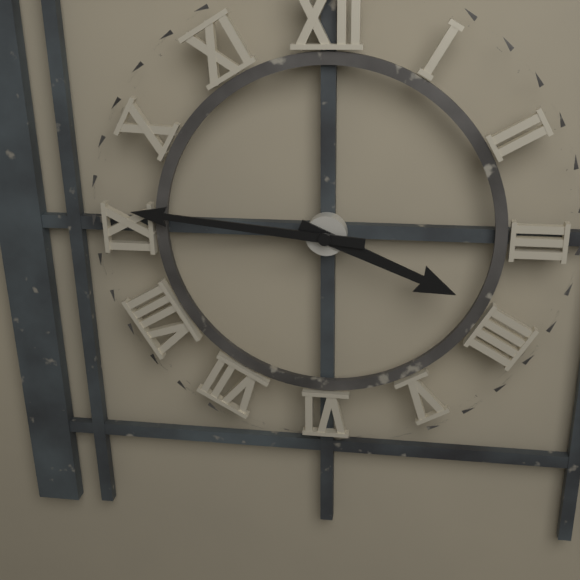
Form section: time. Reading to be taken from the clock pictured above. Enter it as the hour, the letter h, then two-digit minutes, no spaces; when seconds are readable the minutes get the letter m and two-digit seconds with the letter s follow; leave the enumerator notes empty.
3h46
